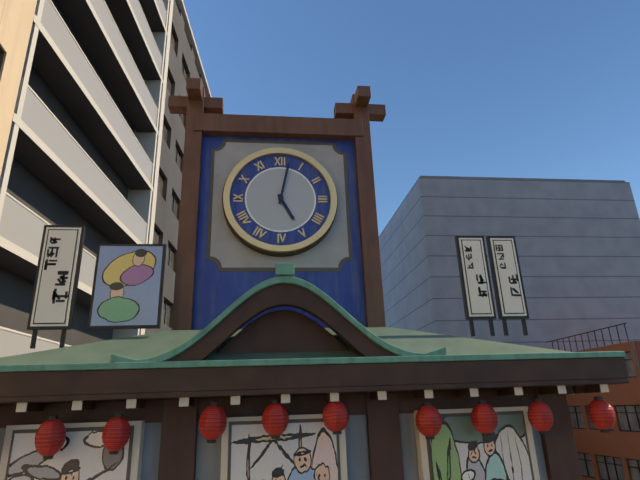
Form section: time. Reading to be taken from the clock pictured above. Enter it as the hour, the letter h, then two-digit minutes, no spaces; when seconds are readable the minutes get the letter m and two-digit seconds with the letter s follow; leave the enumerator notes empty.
5h02
